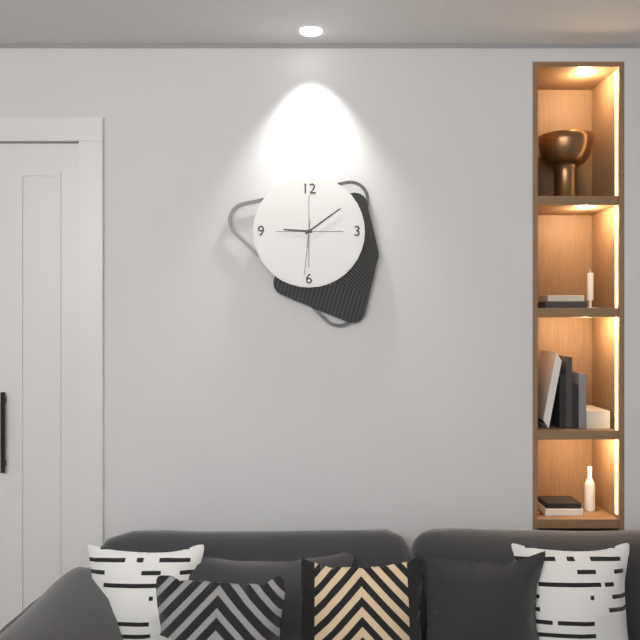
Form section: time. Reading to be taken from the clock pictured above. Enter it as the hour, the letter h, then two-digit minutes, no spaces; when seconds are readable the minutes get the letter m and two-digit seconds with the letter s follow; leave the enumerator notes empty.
9h09m31s
